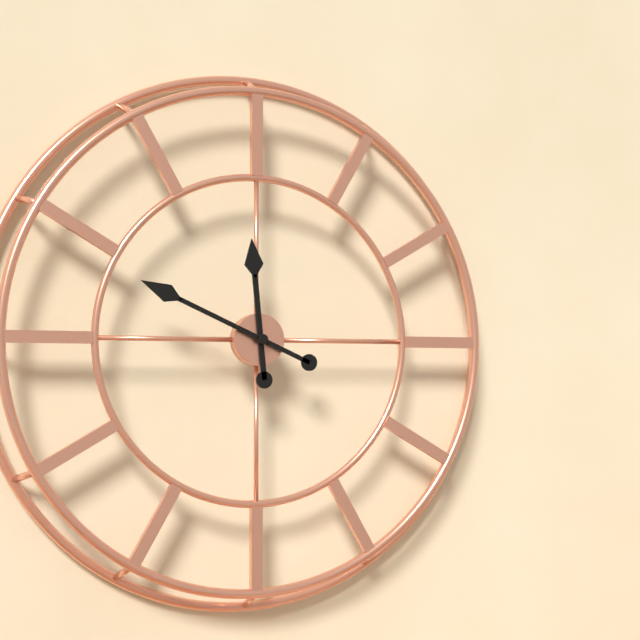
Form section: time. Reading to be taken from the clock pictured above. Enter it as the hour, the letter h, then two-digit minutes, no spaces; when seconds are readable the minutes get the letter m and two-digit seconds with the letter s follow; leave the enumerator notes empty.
11h49
